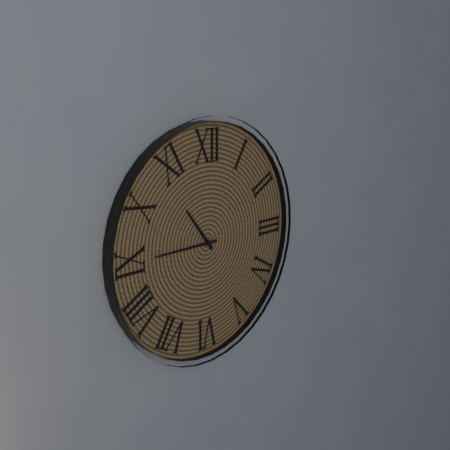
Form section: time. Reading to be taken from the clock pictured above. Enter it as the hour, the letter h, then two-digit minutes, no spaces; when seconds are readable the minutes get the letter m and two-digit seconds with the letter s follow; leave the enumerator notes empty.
10h45
